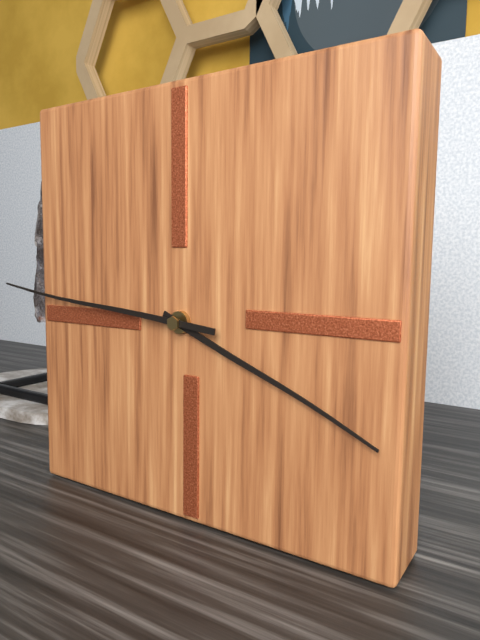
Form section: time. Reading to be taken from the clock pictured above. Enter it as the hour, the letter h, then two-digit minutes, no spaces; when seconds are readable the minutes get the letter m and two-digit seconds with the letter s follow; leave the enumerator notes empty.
3h46
